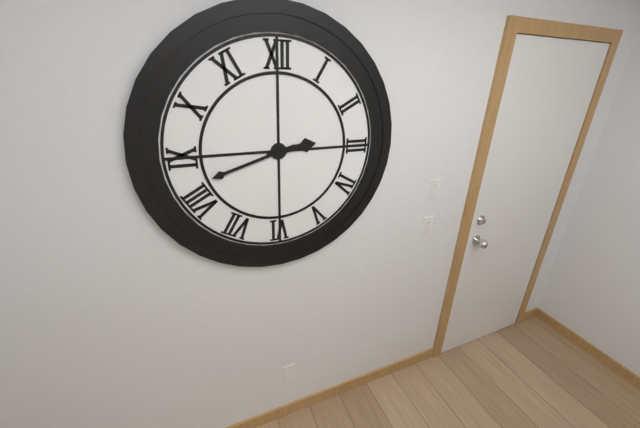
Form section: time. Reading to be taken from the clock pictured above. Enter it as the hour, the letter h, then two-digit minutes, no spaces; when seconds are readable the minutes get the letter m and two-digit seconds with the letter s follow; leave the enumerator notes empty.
2h42
